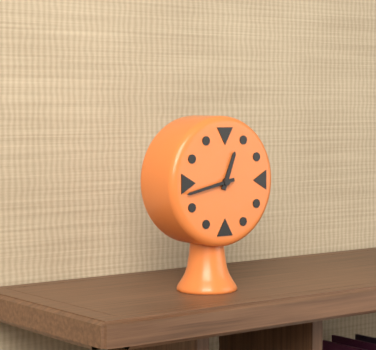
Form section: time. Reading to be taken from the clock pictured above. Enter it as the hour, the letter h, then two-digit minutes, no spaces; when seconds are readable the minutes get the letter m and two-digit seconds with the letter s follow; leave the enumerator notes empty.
12h43
